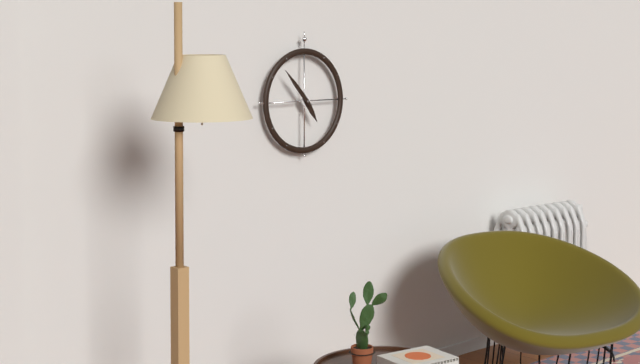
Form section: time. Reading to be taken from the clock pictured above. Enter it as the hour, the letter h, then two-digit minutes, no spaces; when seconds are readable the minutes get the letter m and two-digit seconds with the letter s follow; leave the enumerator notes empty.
4h53
